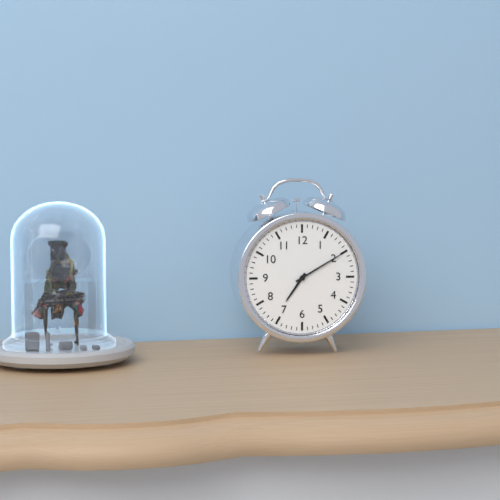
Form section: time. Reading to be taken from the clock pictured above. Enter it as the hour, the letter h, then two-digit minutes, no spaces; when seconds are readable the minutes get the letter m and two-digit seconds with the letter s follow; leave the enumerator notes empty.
7h10
